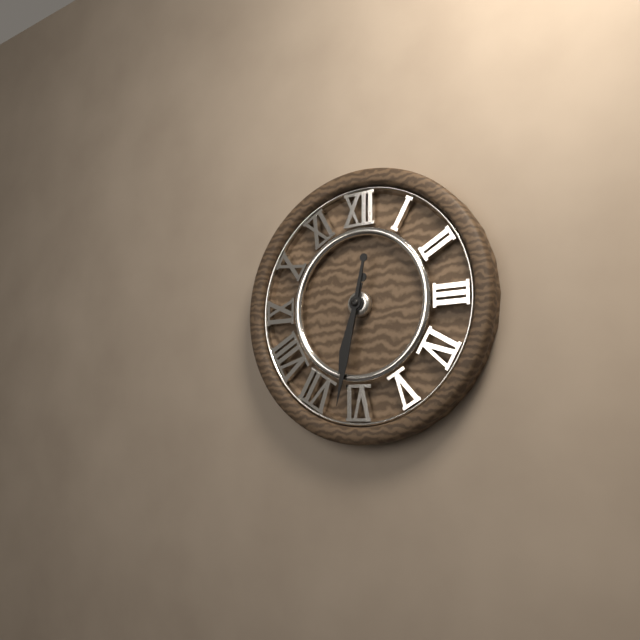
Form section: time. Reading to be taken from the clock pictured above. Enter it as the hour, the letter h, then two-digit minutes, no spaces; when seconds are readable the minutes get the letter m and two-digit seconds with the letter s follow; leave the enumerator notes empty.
6h32
